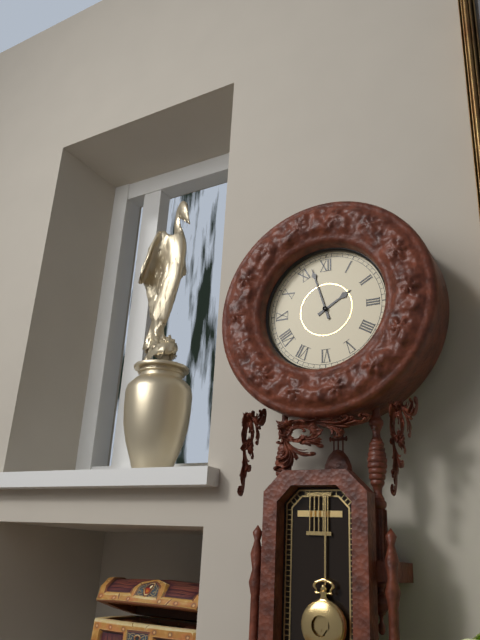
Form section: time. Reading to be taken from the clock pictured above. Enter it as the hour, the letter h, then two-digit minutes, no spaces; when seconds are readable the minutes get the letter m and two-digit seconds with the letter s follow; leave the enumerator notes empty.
1h57
